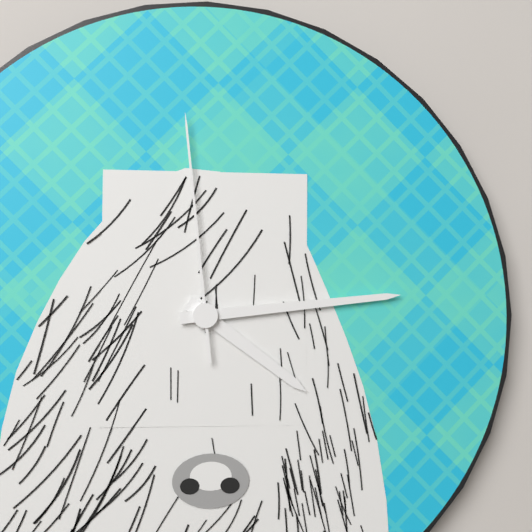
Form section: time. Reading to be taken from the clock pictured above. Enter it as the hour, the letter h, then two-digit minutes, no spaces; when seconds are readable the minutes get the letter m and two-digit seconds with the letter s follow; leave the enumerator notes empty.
4h14m59s
